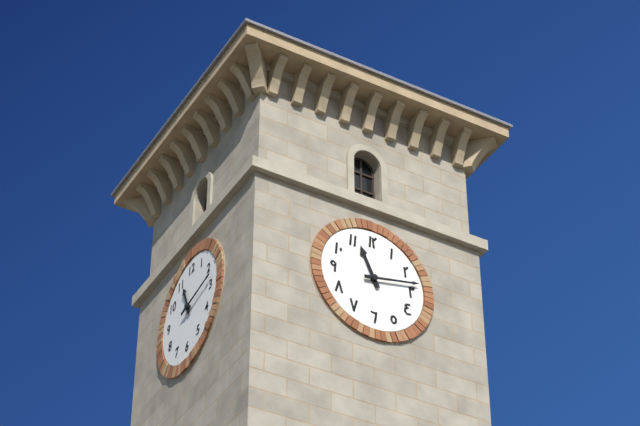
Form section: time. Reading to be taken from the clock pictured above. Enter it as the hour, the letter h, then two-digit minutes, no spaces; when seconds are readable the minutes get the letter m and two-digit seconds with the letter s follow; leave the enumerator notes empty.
11h13
